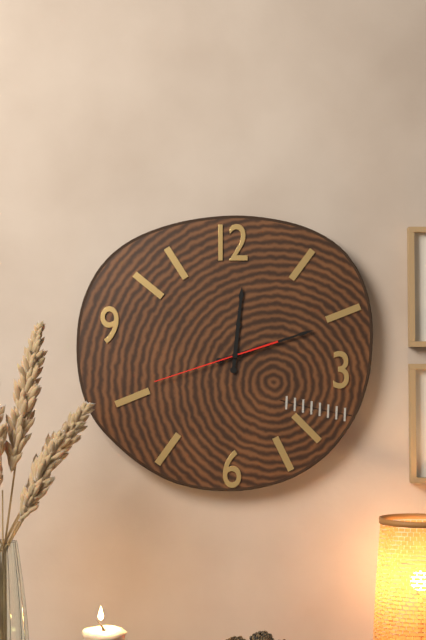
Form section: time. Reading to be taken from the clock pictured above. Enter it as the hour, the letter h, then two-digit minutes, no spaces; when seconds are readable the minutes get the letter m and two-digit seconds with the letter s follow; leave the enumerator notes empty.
12h12m42s
